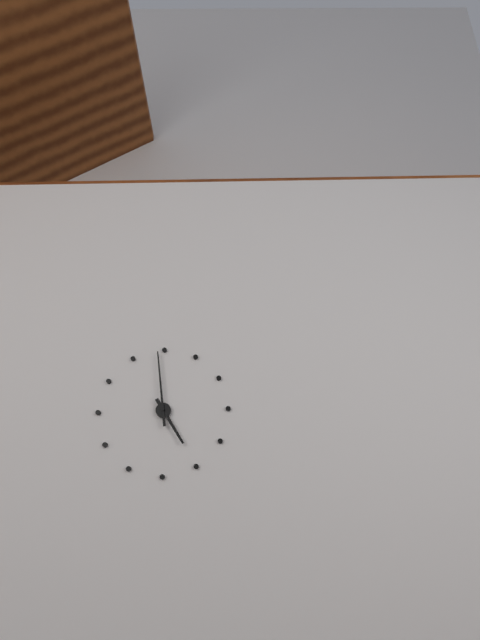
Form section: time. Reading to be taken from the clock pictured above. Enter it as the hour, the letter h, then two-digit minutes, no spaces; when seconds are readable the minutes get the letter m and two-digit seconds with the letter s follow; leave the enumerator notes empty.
4h59
